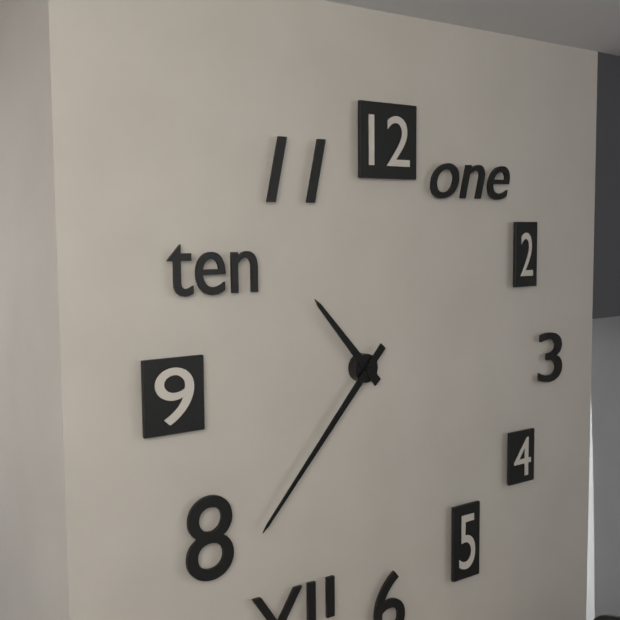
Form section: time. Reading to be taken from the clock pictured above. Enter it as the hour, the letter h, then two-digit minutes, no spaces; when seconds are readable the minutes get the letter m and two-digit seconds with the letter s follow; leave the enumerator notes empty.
10h37
